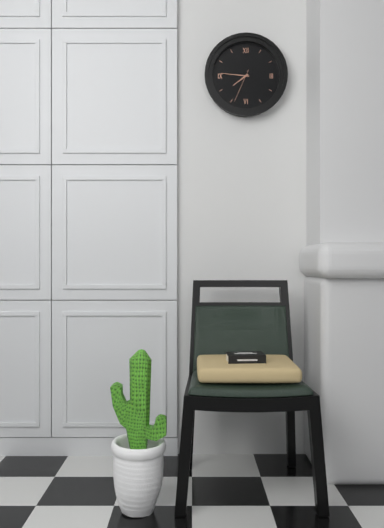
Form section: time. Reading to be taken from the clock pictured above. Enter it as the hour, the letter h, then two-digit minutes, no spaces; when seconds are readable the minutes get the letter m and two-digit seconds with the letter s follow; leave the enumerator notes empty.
7h46
